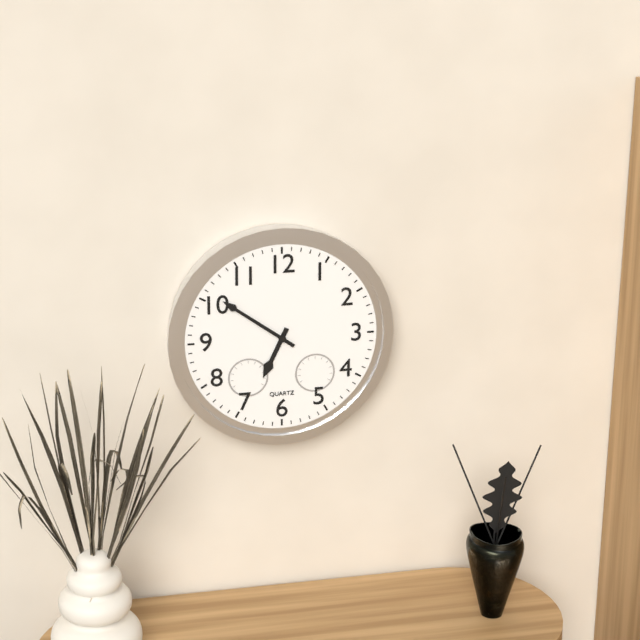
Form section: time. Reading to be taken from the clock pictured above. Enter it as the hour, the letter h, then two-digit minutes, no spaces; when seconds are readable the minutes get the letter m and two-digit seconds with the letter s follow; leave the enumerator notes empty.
6h51
